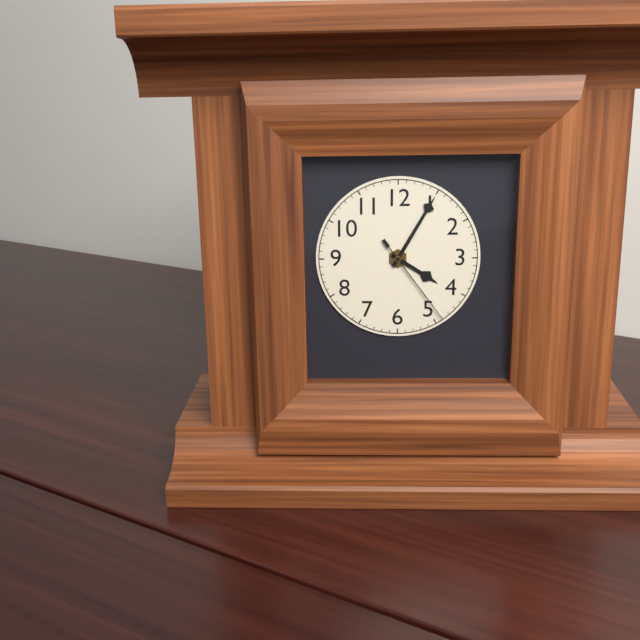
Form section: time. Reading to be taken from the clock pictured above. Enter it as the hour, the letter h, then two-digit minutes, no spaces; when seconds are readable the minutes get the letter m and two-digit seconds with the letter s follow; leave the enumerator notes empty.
4h05m24s
